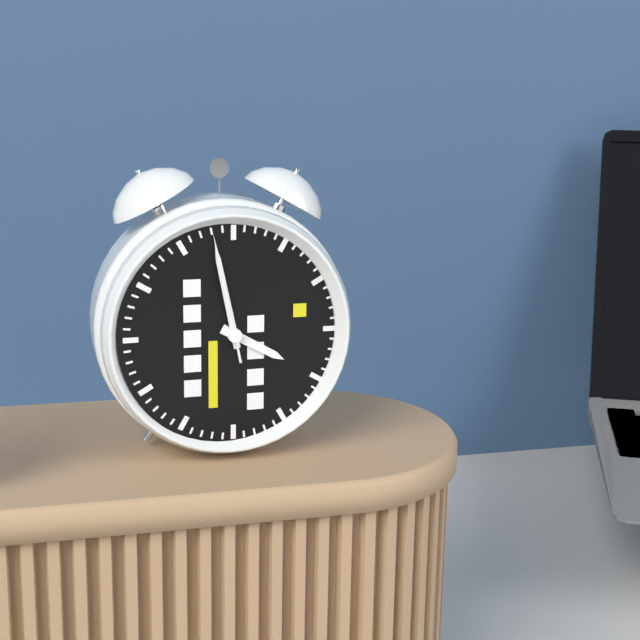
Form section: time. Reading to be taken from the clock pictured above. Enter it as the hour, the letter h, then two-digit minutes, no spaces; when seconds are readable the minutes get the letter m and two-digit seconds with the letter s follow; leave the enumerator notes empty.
3h58m58s
